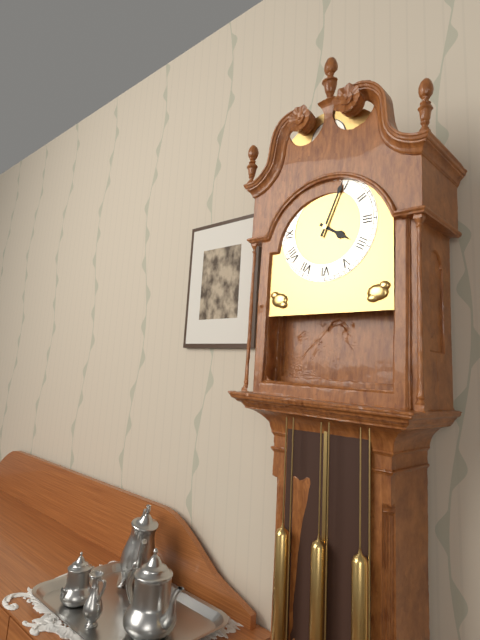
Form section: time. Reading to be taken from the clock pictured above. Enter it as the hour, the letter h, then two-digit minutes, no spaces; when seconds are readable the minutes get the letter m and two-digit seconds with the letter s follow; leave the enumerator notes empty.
4h04
